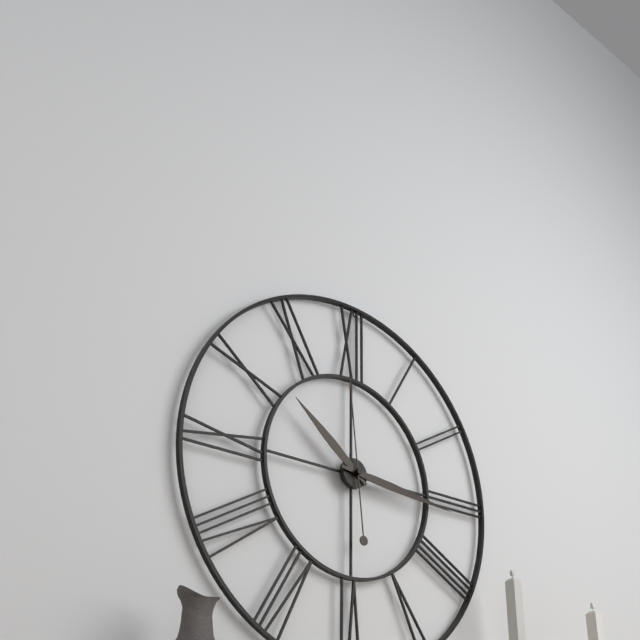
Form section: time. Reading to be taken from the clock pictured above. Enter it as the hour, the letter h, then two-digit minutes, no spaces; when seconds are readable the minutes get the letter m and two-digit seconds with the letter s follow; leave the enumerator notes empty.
10h16m59s
